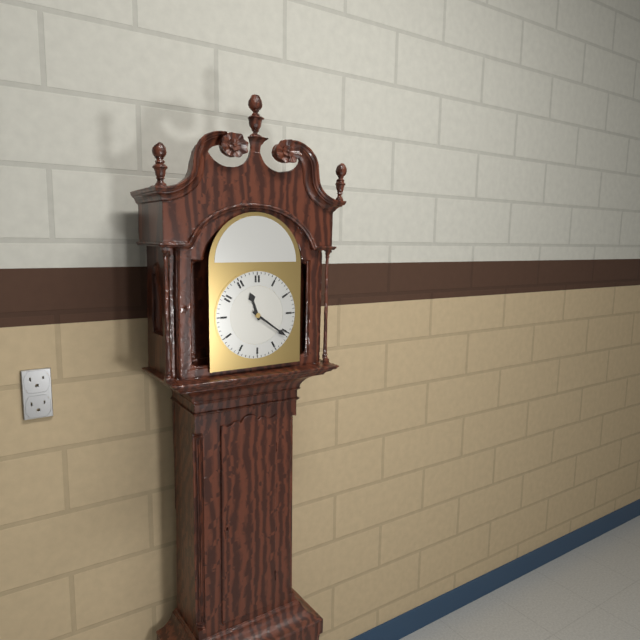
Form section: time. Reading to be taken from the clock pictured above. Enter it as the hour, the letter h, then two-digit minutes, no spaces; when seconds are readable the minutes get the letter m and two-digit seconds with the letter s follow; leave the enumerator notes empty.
11h21
